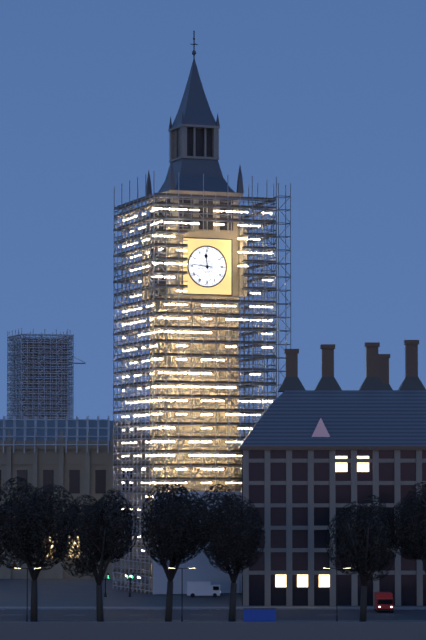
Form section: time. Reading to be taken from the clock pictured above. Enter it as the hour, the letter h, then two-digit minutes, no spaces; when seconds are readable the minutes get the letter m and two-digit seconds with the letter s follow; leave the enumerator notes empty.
11h46
